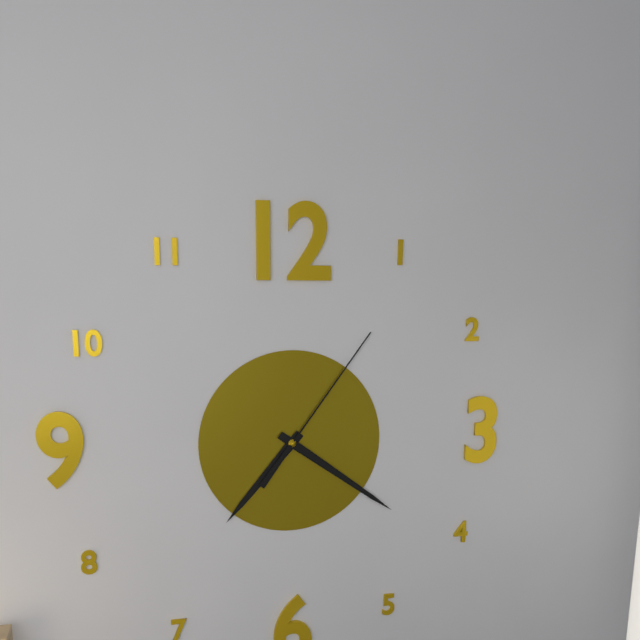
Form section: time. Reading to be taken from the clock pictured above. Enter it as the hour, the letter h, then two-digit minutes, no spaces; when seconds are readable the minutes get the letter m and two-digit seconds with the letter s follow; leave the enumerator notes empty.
7h21m06s
